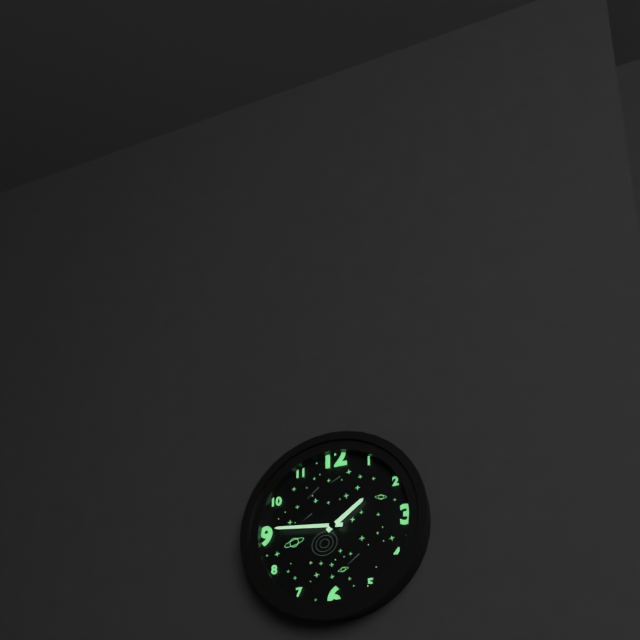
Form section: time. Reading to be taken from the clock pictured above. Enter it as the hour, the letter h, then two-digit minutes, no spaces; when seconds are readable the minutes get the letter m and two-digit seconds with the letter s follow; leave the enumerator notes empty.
1h46
